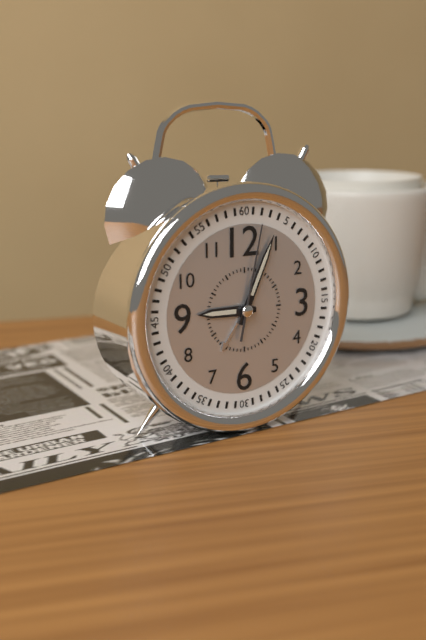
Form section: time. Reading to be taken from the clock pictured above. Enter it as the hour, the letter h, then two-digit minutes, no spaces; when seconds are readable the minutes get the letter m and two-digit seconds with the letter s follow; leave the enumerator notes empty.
9h04m02s
